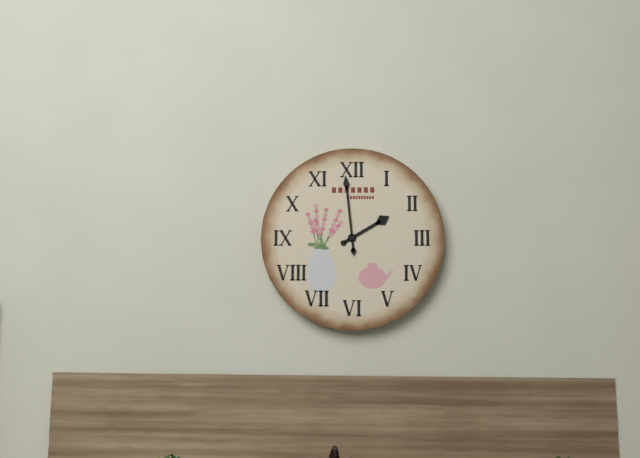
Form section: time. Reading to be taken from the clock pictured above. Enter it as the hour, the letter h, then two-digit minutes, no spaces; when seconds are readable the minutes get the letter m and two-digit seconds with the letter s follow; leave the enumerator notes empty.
1h59
